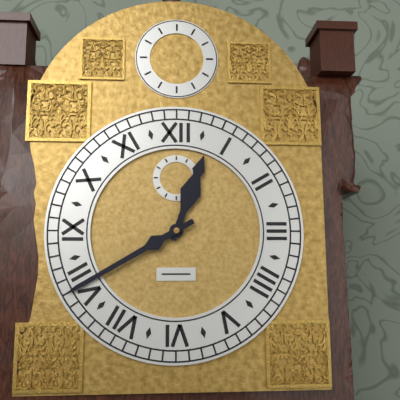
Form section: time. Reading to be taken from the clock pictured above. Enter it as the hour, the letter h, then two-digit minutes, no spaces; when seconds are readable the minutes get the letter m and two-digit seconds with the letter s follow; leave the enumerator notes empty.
12h40
